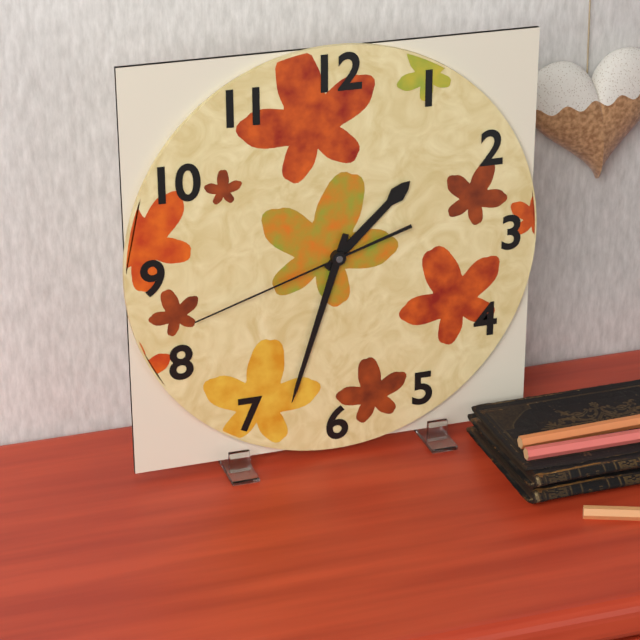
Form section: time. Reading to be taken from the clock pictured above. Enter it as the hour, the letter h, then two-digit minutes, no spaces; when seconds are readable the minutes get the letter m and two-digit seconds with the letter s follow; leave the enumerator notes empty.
1h33m42s
